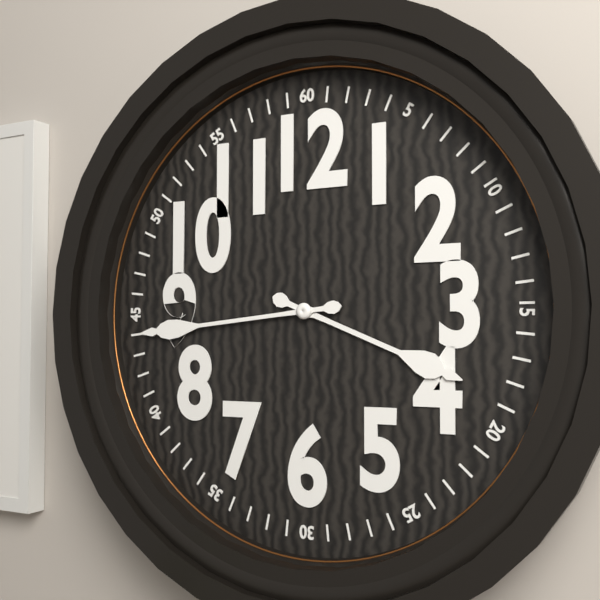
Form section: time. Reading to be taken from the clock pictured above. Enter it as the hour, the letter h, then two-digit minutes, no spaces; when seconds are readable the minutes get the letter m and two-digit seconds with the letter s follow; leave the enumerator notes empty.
3h44
